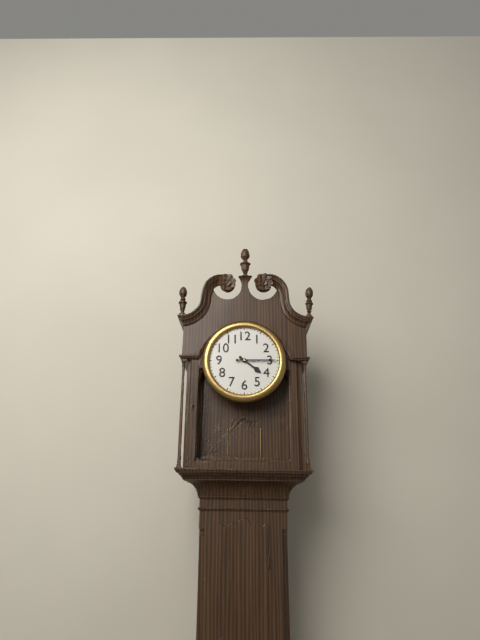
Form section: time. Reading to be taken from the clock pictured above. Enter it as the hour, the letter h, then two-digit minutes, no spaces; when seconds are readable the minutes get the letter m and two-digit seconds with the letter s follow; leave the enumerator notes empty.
4h15
